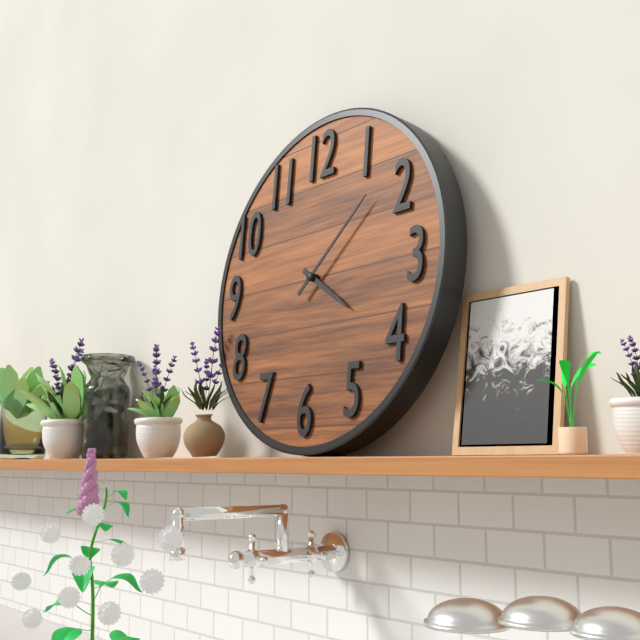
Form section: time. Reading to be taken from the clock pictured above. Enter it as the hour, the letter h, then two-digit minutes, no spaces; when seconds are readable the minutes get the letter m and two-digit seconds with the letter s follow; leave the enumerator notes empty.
4h08
